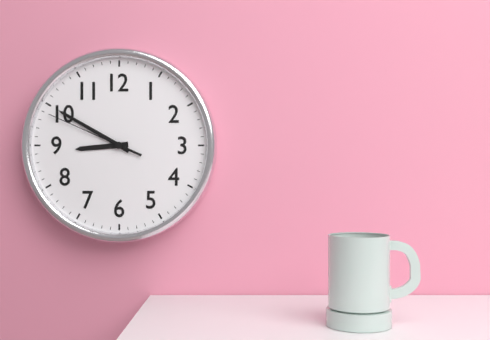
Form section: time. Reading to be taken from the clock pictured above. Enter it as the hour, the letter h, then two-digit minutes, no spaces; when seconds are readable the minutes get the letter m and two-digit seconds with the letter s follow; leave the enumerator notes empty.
8h50m49s
